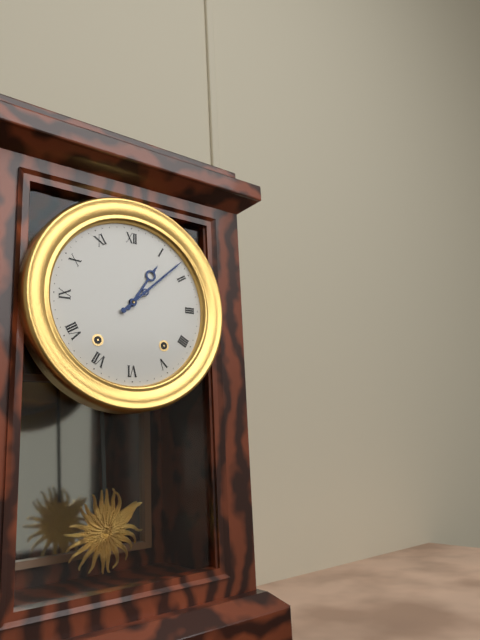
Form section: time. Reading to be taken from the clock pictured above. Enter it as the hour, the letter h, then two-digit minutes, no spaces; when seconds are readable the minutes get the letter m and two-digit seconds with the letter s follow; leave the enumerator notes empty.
1h08
